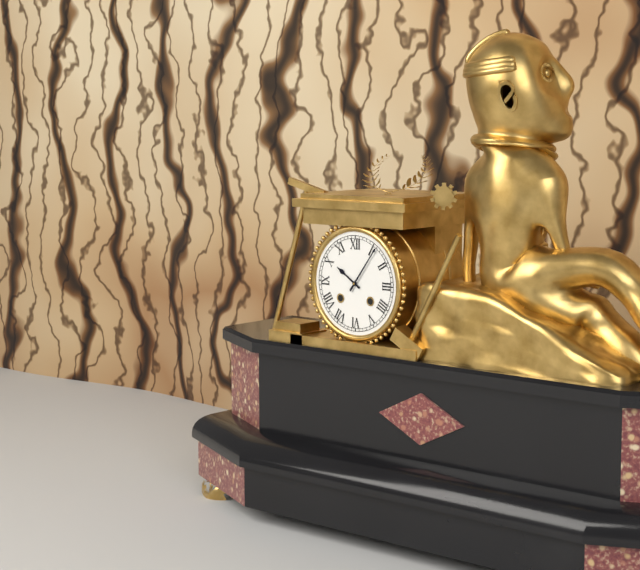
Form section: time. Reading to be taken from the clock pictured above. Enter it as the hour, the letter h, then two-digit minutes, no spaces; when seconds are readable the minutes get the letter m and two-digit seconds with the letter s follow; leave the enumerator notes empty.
10h06
